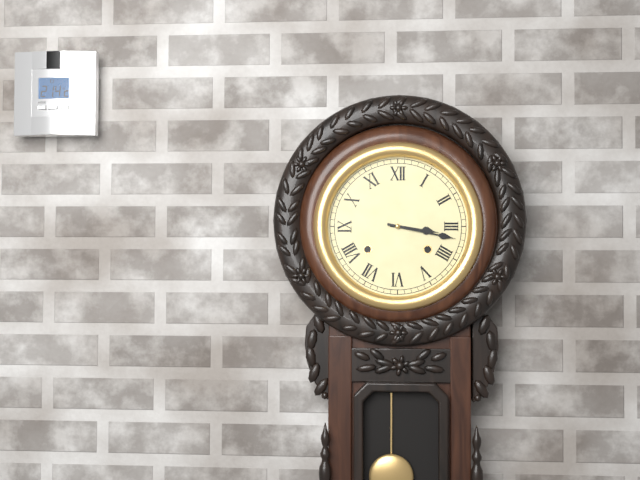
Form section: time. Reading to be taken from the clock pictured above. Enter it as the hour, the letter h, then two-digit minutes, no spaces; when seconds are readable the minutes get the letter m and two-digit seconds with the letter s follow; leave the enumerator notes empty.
3h17
